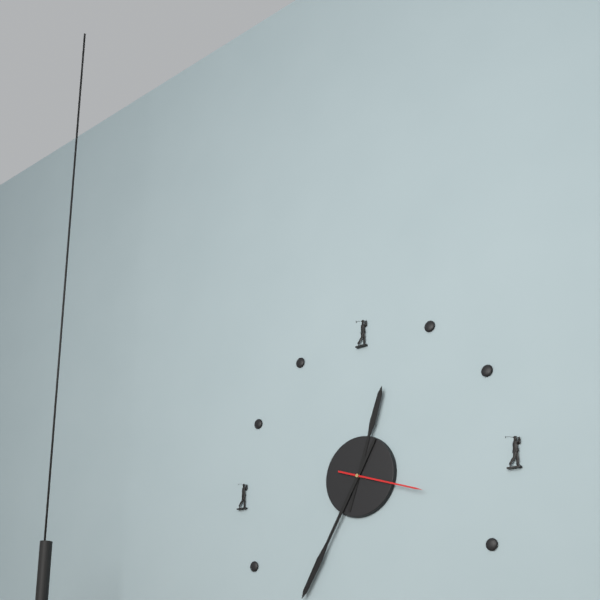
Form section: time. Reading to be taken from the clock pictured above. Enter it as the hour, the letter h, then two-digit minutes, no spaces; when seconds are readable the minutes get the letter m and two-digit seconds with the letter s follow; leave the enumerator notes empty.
12h35m18s
